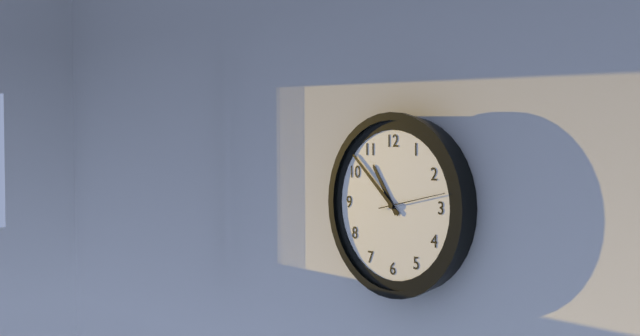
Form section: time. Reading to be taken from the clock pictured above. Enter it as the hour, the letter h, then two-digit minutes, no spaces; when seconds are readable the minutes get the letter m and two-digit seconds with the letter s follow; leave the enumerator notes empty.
10h52m13s
